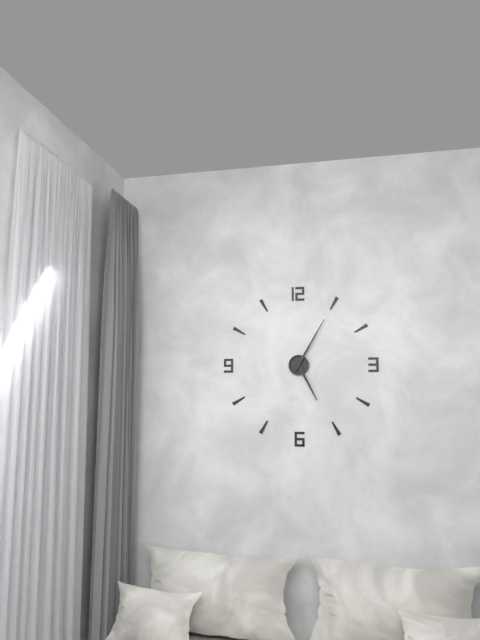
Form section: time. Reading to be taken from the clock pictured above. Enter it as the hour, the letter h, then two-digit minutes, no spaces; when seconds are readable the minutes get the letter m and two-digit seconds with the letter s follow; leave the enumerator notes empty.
5h05
